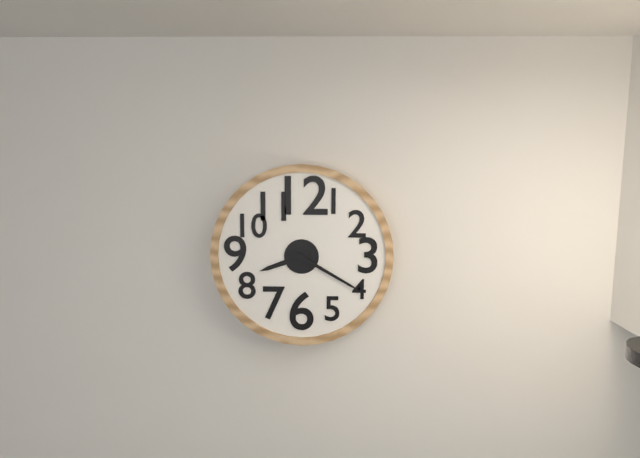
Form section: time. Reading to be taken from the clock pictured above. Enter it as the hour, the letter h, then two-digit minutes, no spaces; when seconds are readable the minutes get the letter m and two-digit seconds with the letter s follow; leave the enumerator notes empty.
8h20
